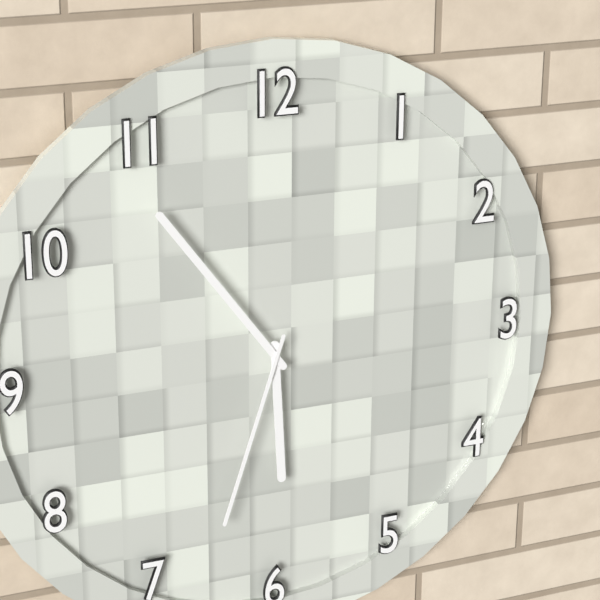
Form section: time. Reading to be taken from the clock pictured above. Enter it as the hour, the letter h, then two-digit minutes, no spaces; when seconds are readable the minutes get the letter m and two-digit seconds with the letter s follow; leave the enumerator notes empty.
5h54m33s
